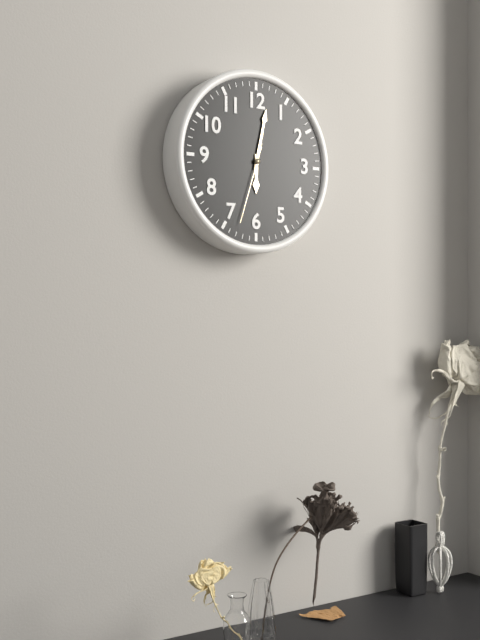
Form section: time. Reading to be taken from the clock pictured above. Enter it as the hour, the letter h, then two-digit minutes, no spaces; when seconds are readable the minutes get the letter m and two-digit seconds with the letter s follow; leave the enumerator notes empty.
6h02m33s
